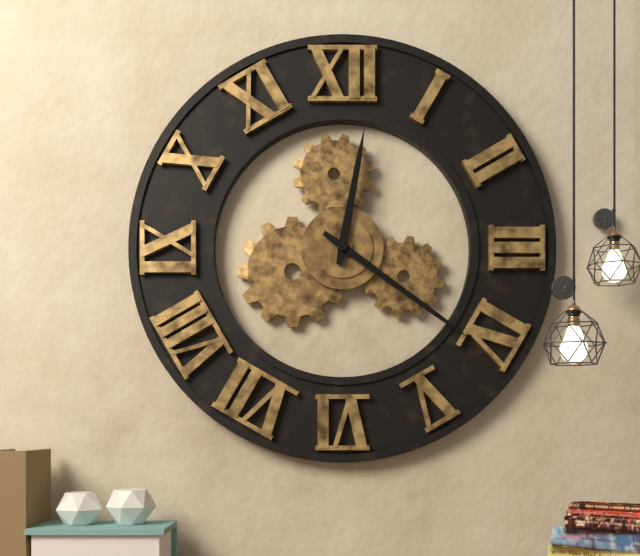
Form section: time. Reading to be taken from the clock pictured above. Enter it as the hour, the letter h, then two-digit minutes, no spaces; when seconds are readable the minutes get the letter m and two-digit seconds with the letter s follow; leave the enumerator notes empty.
12h21
